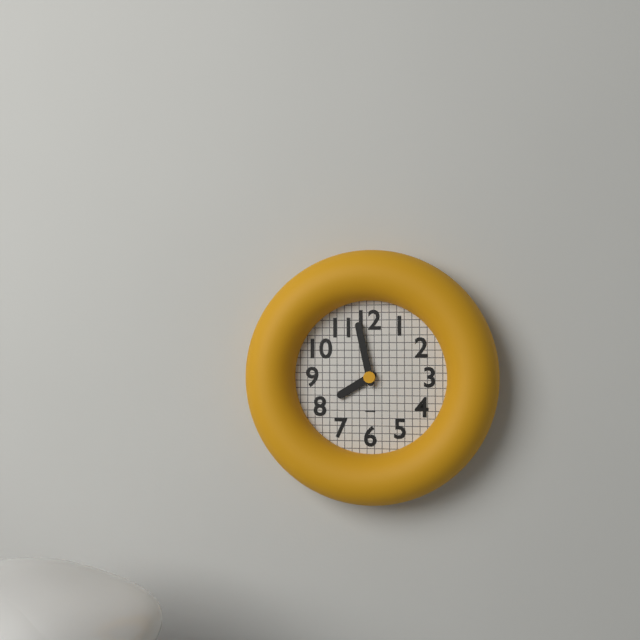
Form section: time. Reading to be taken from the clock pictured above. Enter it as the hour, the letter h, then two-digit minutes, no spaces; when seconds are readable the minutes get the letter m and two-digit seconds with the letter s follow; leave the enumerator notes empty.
7h58
